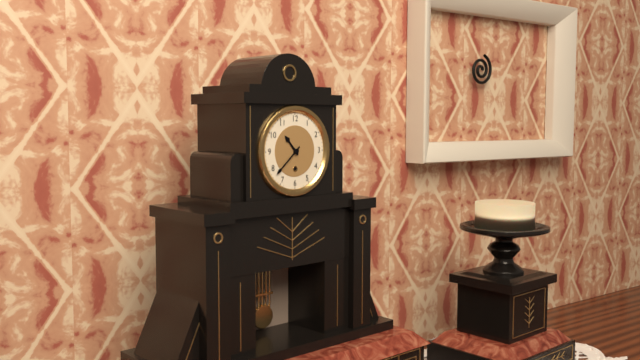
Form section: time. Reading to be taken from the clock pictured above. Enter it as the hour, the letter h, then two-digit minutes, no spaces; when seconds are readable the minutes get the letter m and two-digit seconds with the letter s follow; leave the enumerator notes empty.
10h38
